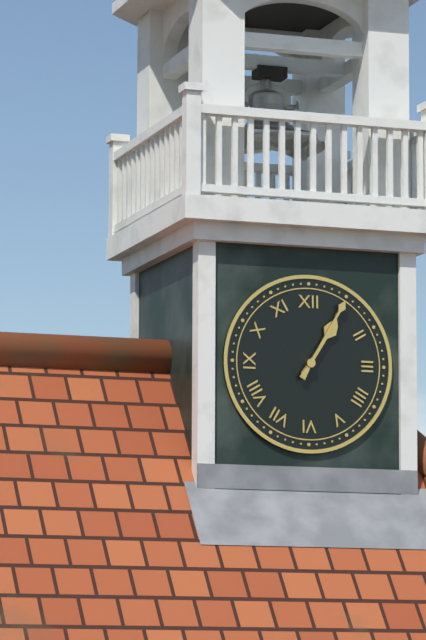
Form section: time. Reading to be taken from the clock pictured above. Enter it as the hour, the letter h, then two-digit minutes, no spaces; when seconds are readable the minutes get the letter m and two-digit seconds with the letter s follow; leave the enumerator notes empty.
1h05
